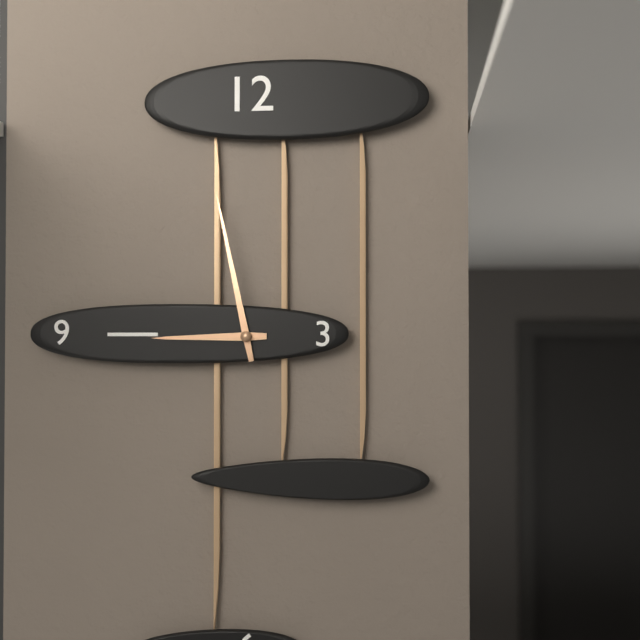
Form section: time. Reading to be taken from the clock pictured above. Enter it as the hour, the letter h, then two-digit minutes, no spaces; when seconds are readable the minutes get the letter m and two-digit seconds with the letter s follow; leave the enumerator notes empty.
8h58
